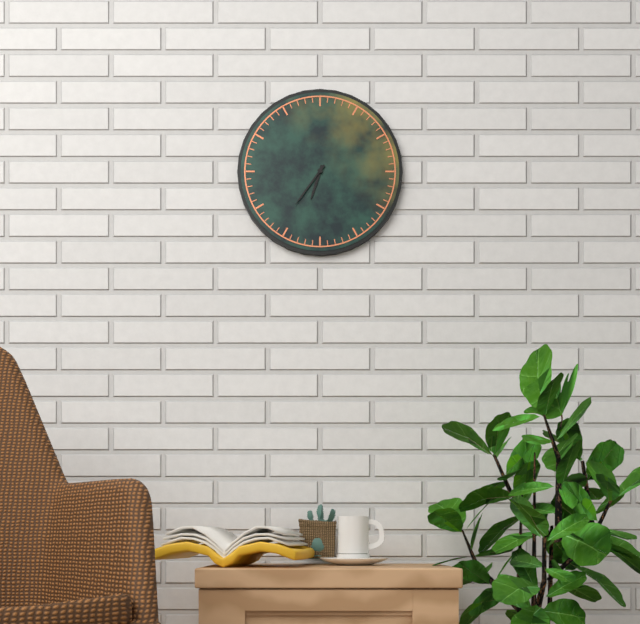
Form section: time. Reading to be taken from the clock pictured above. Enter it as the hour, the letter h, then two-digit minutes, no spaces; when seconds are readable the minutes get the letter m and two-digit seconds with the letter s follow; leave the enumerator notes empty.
6h36
